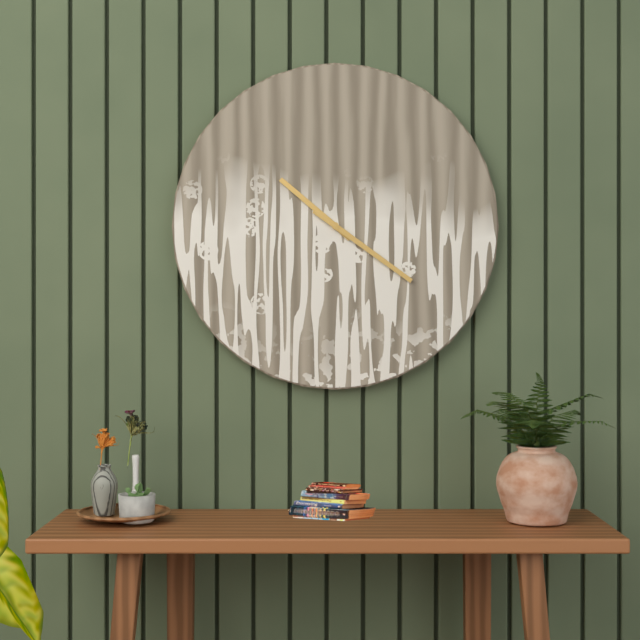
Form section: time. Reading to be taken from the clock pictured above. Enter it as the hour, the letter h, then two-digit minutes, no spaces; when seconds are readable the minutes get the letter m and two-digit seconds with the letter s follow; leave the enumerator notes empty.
10h21
